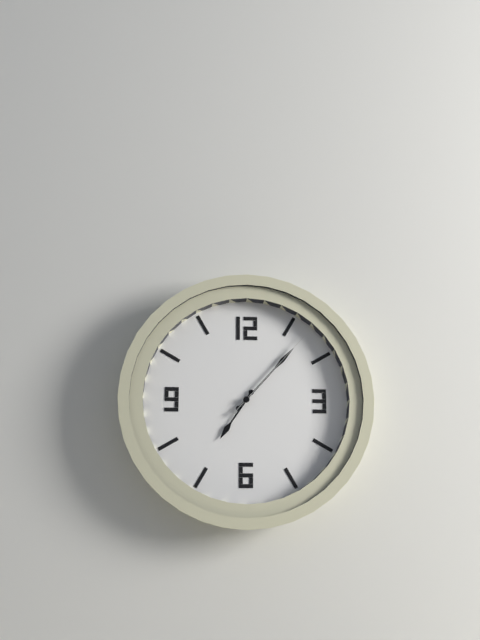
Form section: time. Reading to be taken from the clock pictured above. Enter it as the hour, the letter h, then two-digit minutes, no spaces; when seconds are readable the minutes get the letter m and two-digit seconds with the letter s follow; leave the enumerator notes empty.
7h07m07s
